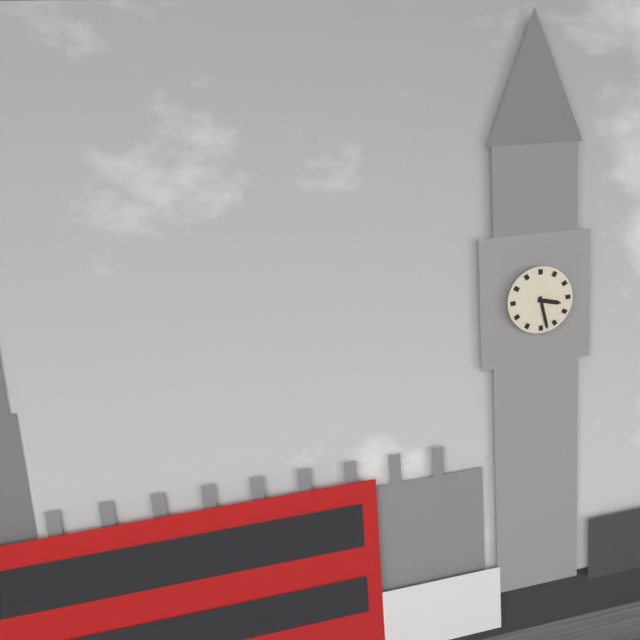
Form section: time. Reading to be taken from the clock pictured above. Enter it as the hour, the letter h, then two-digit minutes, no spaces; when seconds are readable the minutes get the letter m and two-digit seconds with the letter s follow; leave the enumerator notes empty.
3h28
